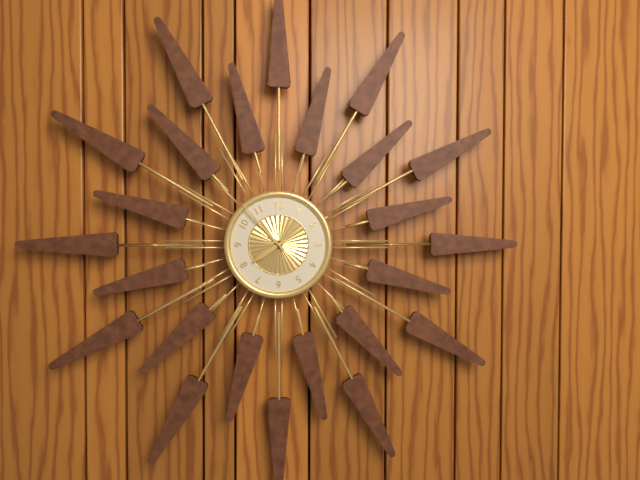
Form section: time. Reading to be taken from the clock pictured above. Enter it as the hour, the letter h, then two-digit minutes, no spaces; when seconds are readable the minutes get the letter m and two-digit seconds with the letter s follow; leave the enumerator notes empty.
7h53
